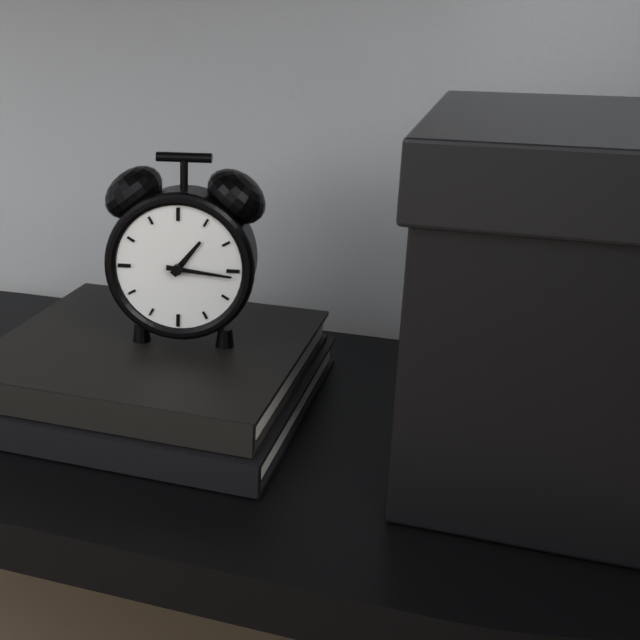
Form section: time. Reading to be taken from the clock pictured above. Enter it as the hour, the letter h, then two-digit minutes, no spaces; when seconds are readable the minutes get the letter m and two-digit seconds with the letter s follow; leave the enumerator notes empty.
1h16
